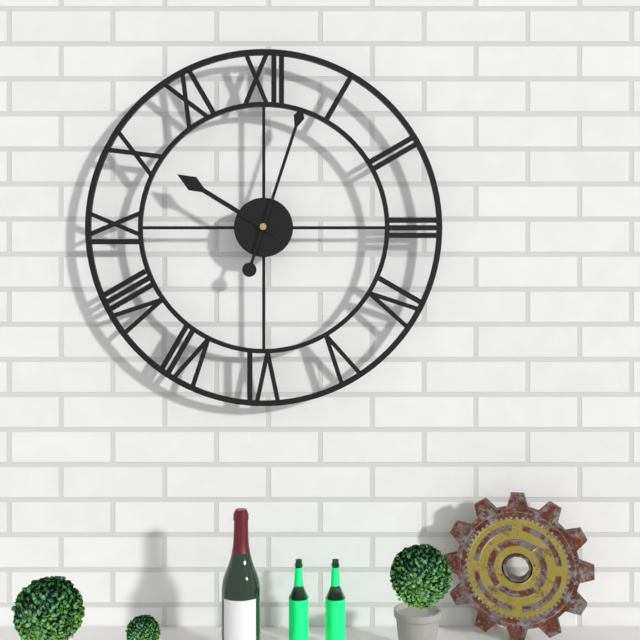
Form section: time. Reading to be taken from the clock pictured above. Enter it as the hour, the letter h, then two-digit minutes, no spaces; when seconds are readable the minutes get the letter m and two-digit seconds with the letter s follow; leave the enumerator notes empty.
10h03
